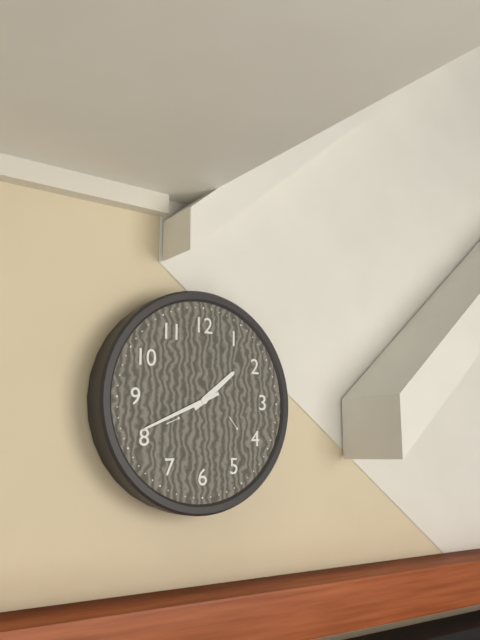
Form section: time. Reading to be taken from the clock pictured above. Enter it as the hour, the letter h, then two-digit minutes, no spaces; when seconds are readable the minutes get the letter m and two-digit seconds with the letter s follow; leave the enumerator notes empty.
1h41
